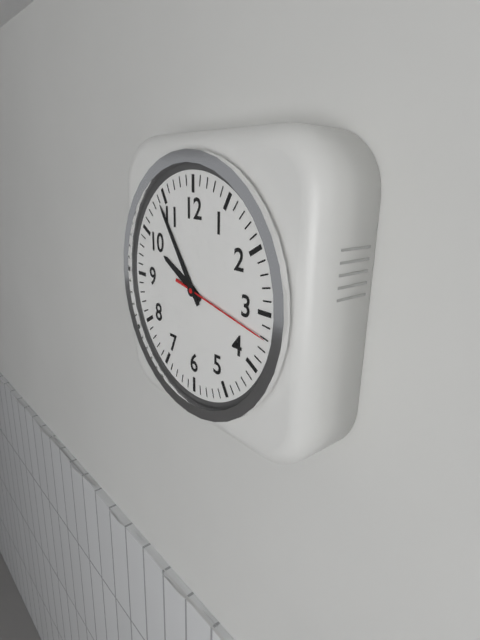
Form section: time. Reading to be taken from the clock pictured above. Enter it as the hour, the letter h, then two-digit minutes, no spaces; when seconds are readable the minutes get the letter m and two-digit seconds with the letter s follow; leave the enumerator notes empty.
9h54m17s
